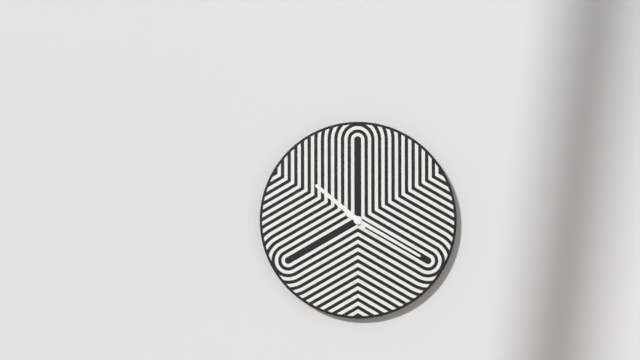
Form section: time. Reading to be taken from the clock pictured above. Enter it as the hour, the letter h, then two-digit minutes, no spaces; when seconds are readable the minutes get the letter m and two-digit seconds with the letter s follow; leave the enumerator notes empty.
10h20
